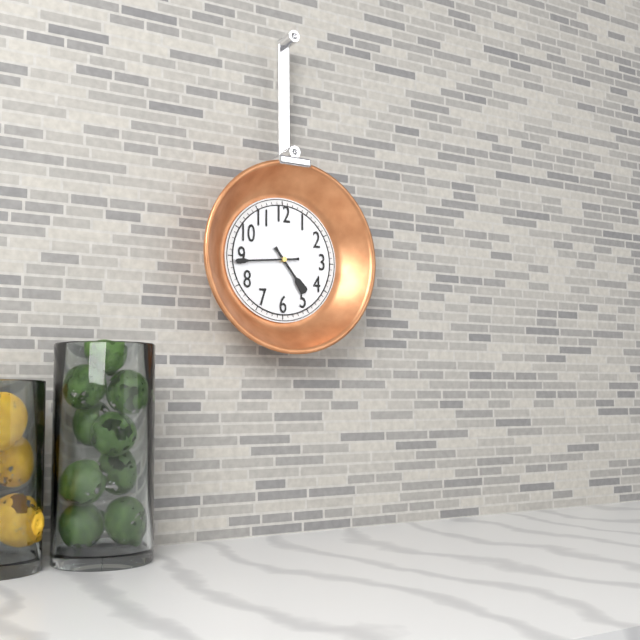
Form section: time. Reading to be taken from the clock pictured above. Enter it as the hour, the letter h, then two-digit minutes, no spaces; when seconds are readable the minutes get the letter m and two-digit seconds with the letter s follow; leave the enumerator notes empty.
4h44
